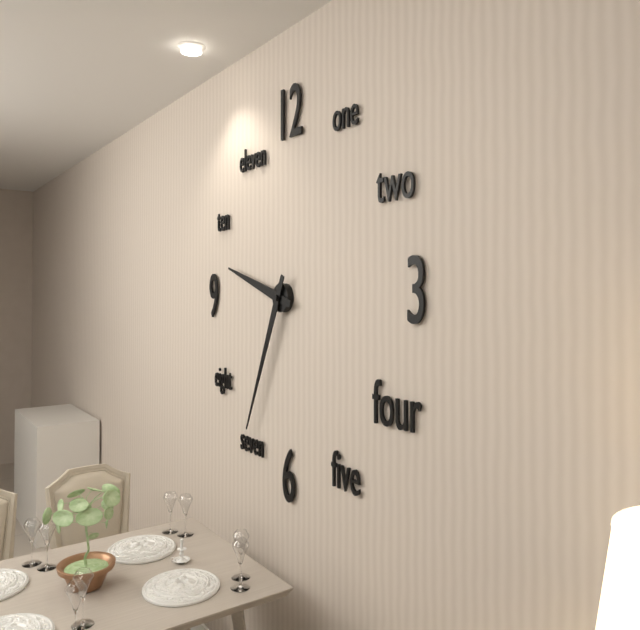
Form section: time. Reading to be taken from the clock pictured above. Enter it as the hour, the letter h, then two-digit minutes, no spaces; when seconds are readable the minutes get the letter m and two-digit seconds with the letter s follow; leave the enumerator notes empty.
9h34
